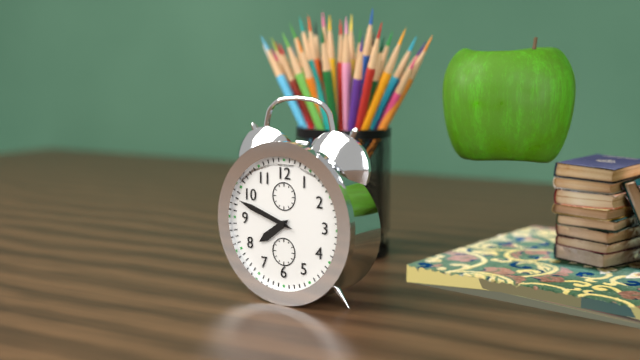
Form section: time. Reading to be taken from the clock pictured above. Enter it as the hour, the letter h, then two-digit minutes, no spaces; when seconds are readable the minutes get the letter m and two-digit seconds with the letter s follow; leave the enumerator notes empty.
7h48
